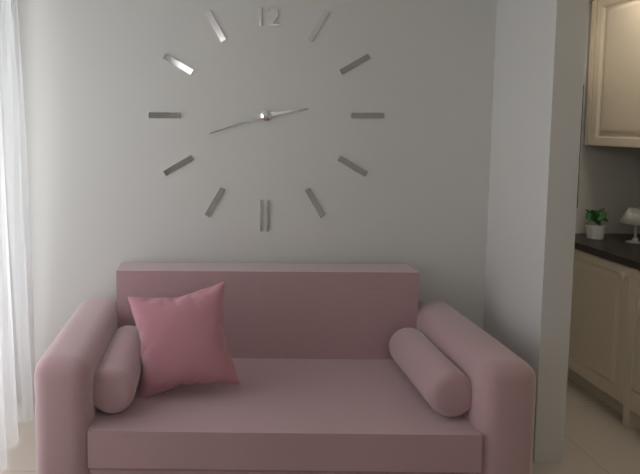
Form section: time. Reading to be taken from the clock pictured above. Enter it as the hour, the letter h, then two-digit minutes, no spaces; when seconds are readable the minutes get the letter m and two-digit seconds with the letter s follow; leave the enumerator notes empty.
2h42
